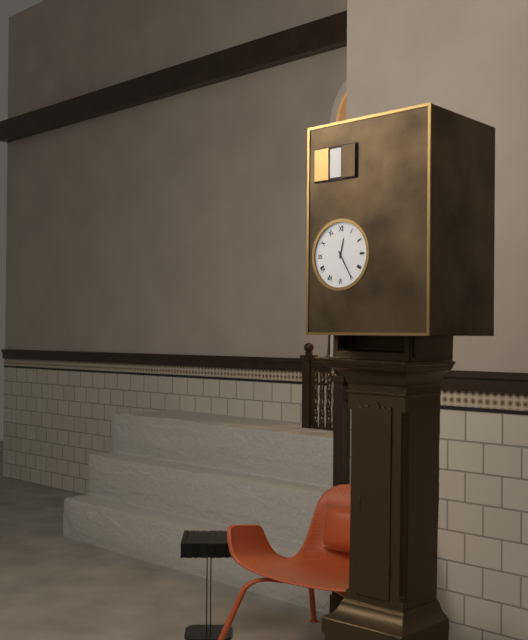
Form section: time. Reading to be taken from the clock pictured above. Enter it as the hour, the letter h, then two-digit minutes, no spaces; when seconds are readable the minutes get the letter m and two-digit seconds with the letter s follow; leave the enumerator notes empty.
12h25
